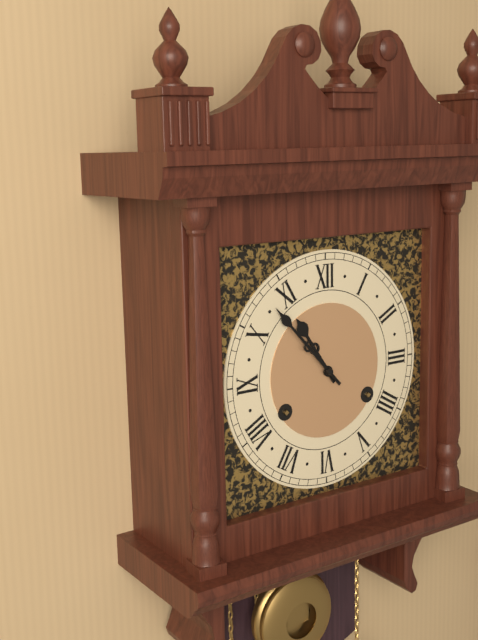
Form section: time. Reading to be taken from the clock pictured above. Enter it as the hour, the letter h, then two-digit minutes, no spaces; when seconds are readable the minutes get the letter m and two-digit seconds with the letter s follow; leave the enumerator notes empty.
10h53
